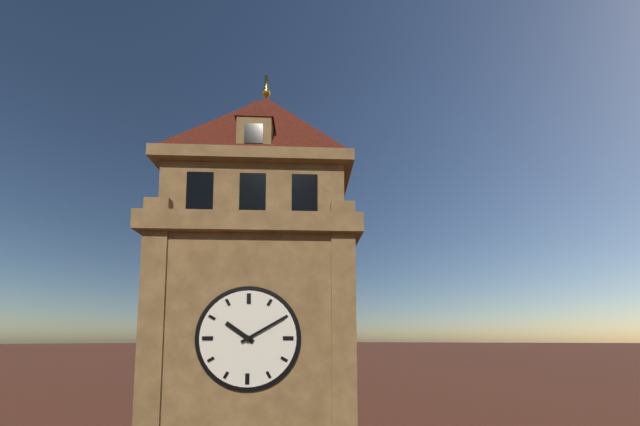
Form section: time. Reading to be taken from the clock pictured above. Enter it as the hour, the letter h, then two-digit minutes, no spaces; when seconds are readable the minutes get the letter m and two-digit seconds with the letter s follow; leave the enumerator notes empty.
10h10
